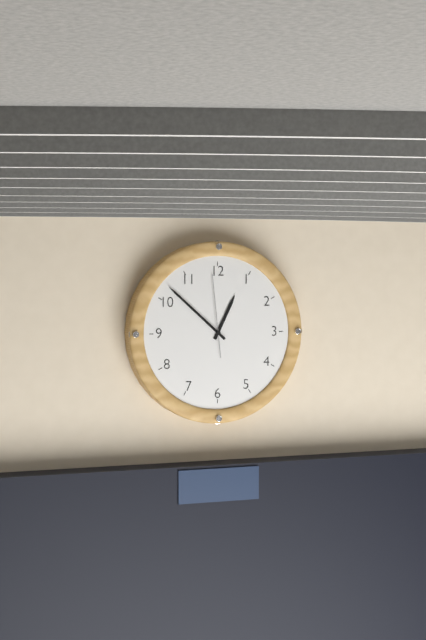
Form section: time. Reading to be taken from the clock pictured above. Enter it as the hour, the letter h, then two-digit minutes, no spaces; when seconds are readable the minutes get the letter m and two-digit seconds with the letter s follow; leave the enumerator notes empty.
12h52m59s
